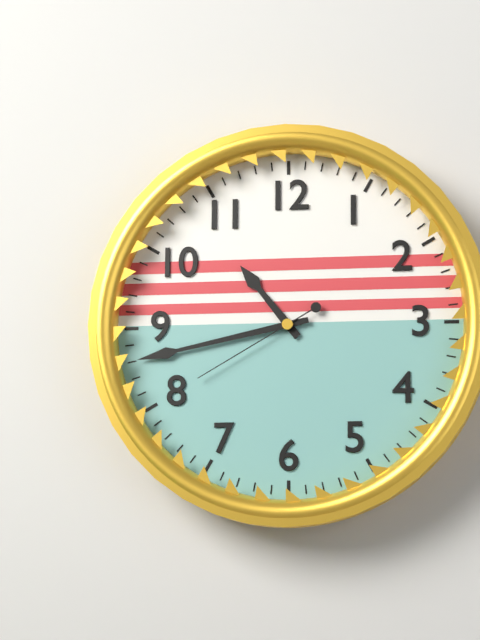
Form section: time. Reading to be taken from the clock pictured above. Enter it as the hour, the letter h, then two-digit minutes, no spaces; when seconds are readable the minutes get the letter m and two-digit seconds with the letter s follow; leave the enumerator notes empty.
10h43m40s
